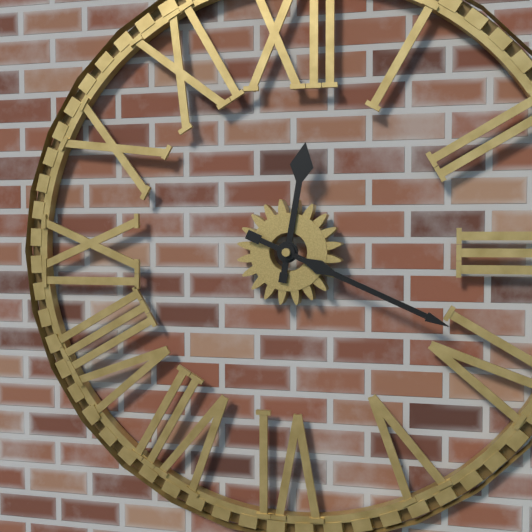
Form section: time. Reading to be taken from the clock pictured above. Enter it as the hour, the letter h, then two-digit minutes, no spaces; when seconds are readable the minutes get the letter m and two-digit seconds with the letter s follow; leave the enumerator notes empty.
12h19
